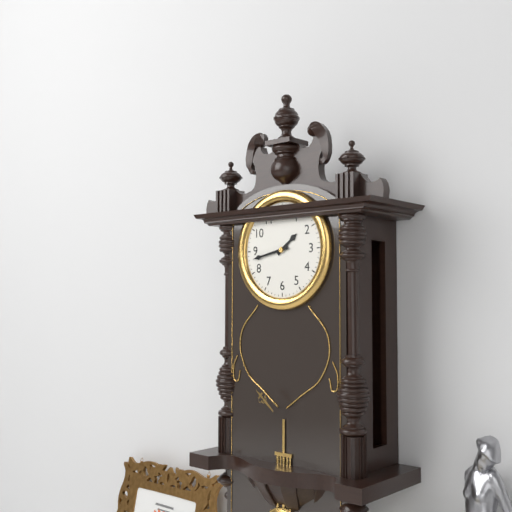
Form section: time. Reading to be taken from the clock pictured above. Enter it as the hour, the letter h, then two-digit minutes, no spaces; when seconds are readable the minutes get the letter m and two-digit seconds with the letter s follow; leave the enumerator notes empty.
1h43
